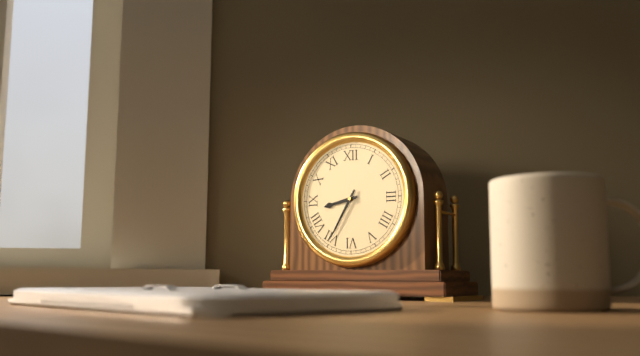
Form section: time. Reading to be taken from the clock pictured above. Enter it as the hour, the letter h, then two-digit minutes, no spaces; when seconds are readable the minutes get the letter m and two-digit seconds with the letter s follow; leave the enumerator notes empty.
8h35
